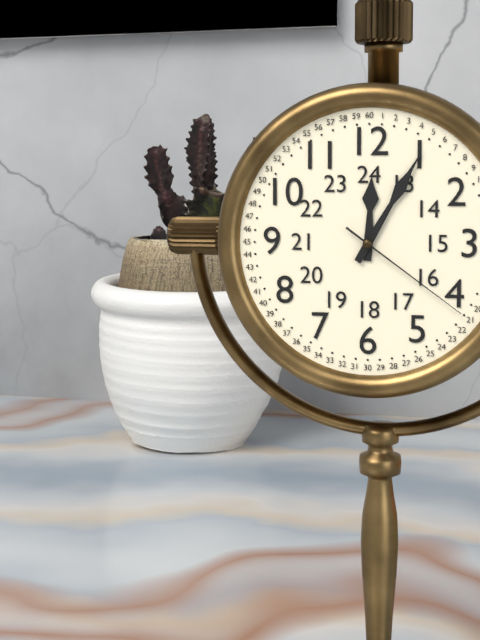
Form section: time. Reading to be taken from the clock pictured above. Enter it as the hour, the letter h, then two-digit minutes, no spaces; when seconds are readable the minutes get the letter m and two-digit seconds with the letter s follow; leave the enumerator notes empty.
12h05m21s
